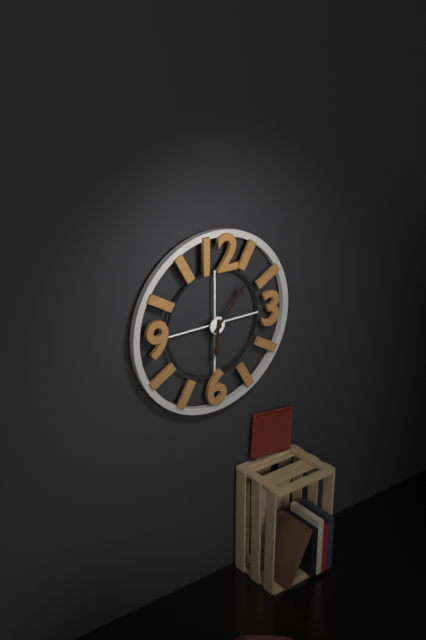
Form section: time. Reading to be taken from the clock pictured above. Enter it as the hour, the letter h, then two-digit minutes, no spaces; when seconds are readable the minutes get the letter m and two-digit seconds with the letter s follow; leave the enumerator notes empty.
6h07
